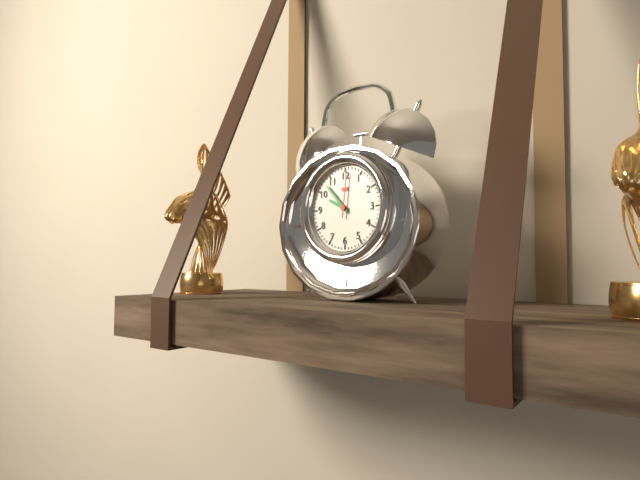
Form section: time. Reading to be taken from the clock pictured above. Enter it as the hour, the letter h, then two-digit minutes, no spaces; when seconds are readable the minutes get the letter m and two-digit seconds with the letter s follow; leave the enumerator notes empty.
9h53
